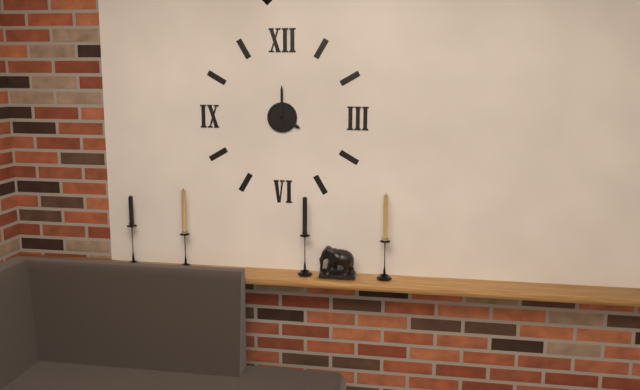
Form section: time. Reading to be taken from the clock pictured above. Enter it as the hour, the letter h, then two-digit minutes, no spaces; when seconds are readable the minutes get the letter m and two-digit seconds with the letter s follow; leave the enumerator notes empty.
4h00
